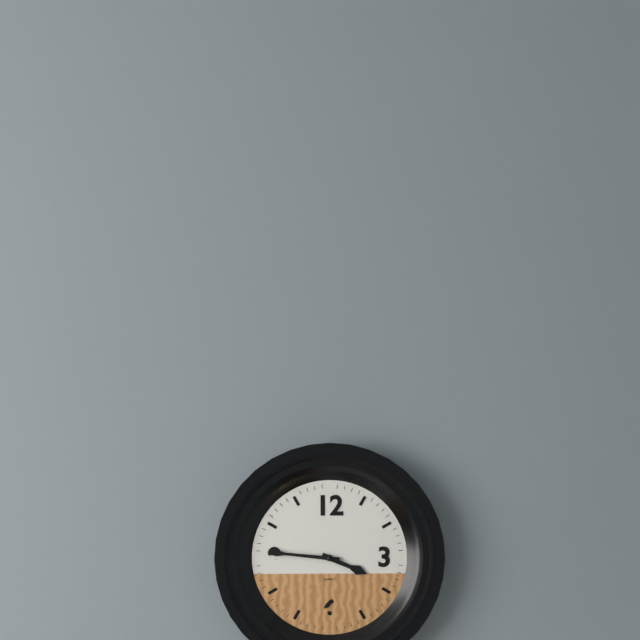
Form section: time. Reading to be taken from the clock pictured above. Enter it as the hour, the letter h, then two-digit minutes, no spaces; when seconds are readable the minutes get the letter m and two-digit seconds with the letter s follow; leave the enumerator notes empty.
3h46
